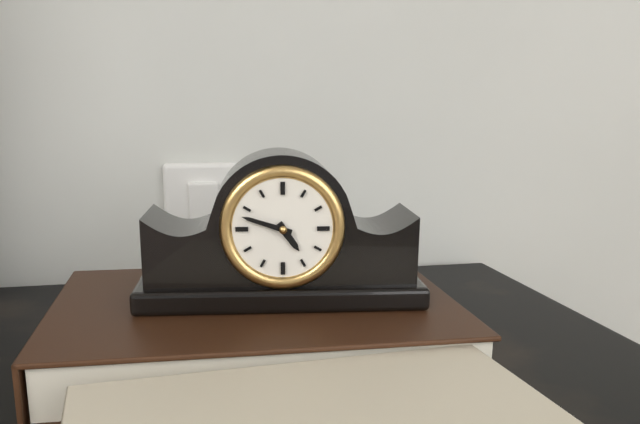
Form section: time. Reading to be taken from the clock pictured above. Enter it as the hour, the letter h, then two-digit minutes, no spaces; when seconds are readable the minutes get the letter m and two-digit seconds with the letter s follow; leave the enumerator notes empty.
4h48
